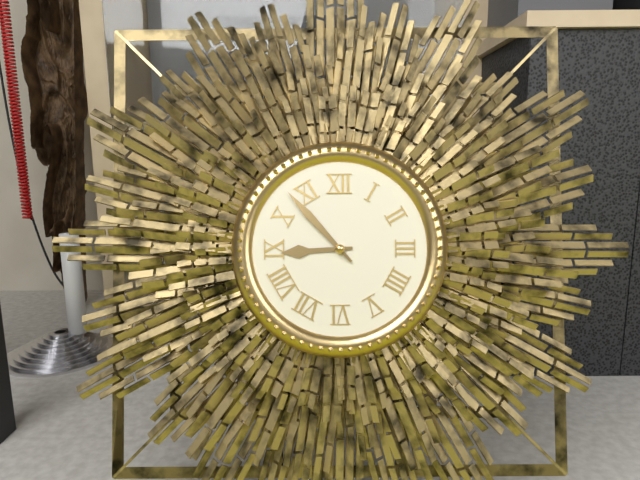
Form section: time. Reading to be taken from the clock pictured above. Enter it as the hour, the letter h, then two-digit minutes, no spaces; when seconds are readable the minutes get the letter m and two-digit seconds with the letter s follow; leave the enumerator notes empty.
8h53
